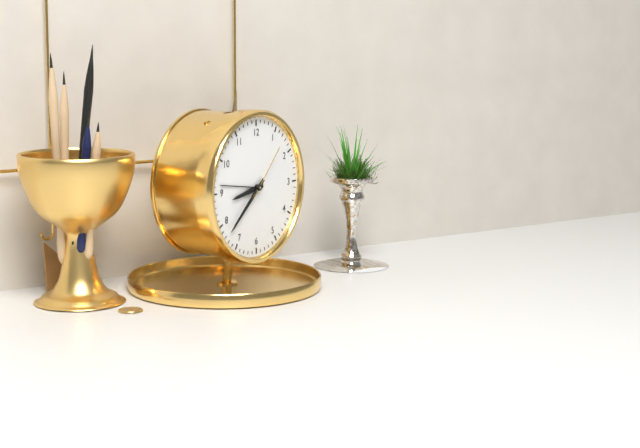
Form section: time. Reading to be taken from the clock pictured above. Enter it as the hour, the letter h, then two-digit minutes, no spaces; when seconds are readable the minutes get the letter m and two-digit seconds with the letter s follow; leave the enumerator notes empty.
8h38m07s
